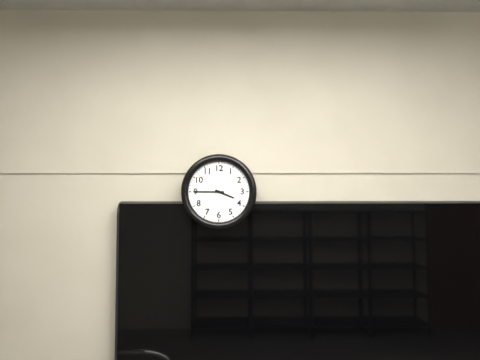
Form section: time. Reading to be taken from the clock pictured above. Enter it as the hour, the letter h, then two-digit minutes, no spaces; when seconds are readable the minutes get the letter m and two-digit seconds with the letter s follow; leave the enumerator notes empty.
3h45
